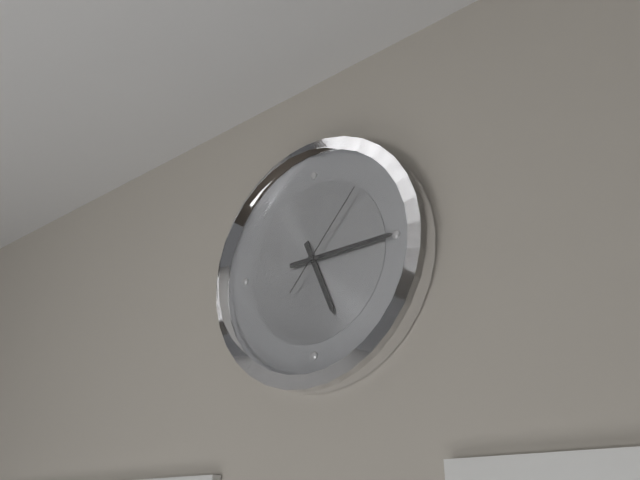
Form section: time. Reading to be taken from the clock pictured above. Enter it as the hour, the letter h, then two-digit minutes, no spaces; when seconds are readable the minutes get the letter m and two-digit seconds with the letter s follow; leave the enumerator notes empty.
5h15m07s
